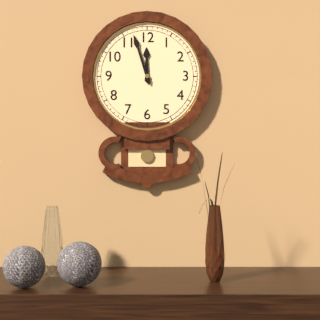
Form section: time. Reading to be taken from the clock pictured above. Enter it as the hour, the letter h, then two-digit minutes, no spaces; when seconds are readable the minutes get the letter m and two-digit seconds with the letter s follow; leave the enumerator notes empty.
11h57
